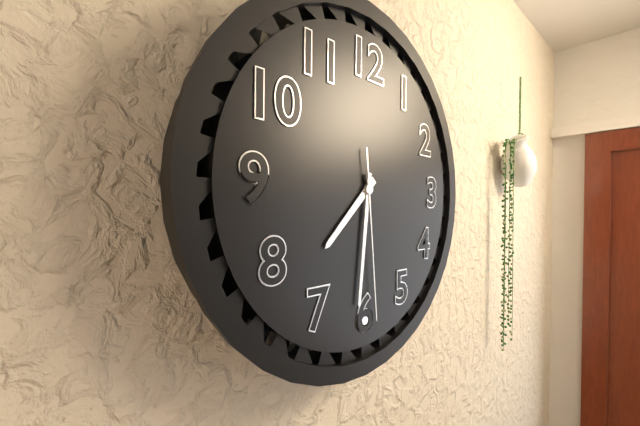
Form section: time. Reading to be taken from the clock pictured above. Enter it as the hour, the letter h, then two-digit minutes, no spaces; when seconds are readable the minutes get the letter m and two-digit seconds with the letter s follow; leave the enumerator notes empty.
7h31m29s
